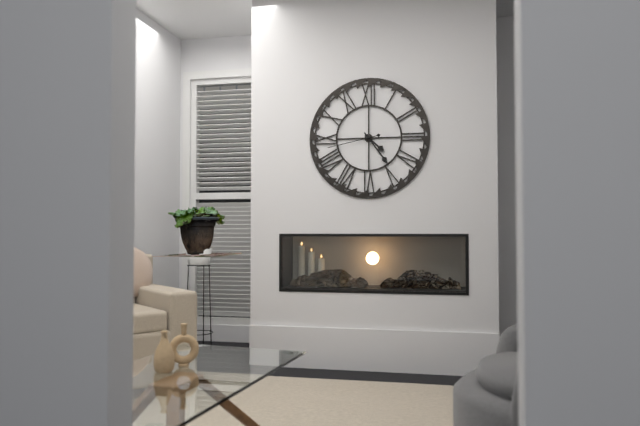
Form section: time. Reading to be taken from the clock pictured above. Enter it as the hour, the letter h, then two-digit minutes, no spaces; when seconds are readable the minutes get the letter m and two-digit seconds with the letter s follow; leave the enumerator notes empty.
4h24m43s
